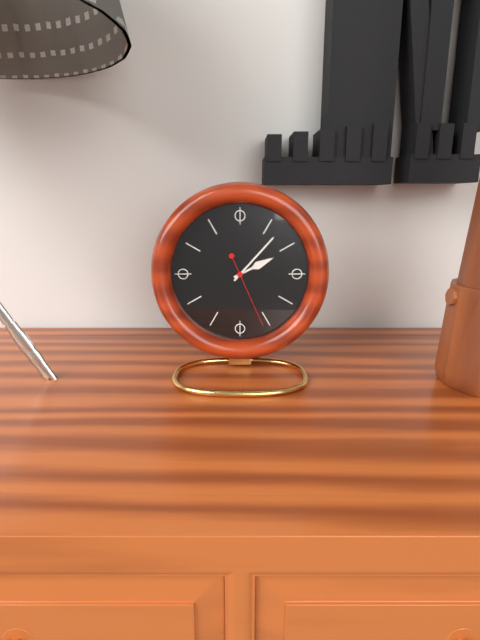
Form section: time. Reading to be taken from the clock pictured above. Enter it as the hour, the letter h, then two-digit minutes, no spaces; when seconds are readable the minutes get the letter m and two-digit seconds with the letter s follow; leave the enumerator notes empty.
2h07m26s
